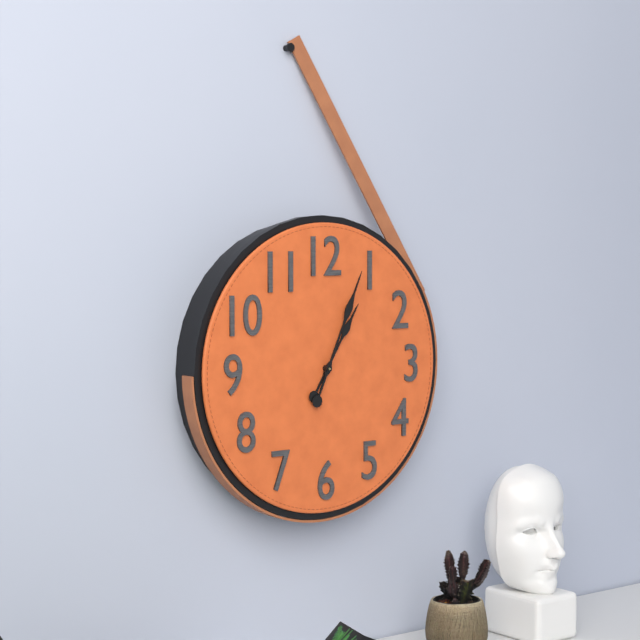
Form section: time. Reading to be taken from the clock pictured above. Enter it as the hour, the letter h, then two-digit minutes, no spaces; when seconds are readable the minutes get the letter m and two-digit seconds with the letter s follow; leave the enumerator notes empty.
1h04
